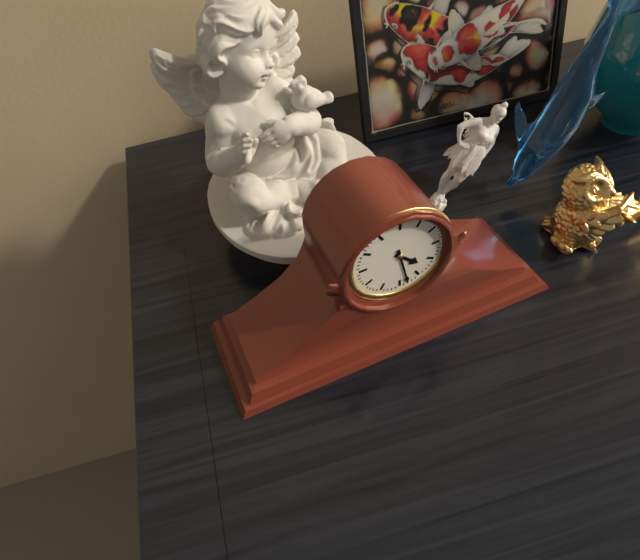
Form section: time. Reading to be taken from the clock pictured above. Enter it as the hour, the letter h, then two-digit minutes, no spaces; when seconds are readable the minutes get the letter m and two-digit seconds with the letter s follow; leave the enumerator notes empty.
4h28
